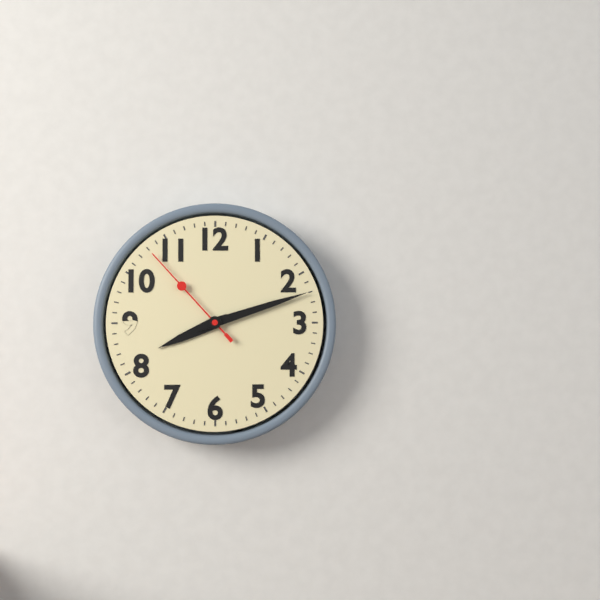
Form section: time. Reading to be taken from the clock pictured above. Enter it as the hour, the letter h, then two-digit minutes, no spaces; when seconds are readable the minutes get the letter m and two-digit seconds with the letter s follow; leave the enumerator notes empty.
8h12m53s
